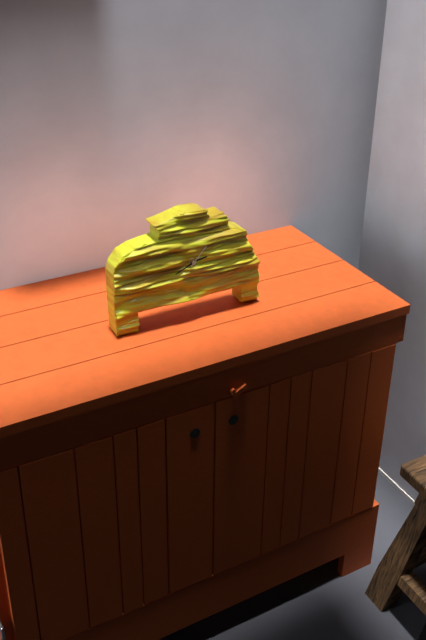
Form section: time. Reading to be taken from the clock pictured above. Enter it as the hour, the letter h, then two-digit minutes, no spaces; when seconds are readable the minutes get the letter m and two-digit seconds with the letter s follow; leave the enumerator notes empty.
2h41
